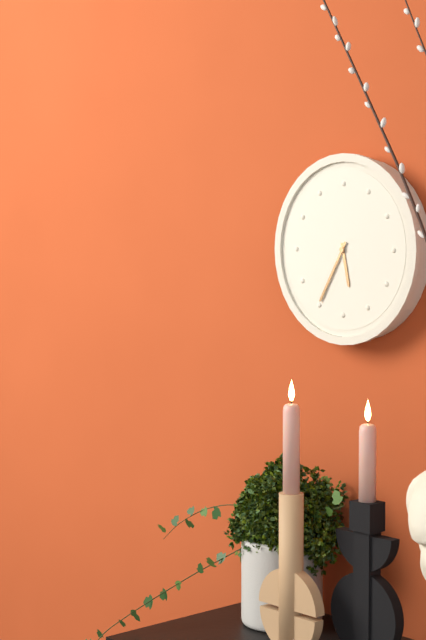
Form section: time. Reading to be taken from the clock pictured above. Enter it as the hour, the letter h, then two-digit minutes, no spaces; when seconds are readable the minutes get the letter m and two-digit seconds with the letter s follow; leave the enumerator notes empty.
5h35
